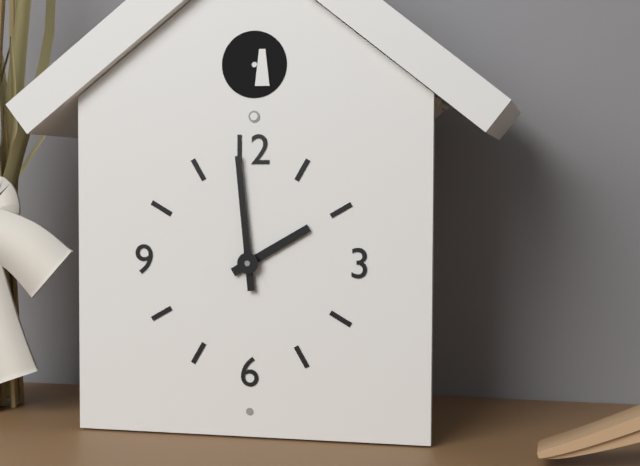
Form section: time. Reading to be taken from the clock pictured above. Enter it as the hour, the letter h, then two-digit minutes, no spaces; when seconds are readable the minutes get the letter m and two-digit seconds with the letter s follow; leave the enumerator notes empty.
1h59
